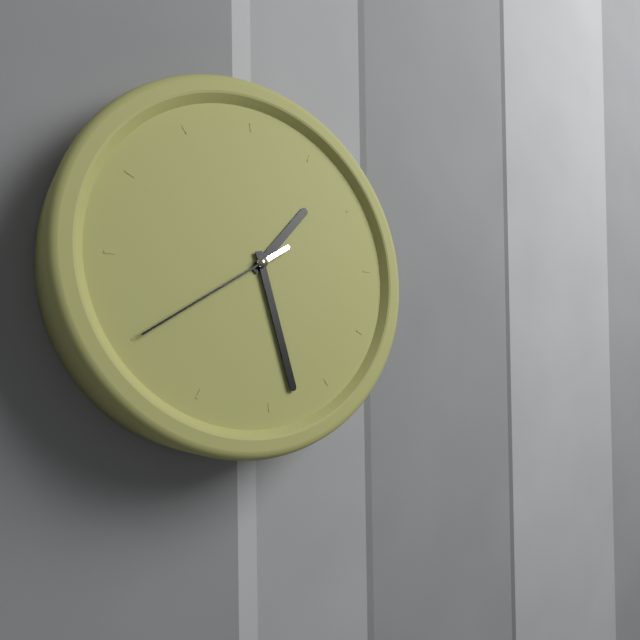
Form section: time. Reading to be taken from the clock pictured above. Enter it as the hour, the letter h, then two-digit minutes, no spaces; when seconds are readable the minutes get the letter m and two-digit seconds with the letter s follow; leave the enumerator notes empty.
1h28m40s
